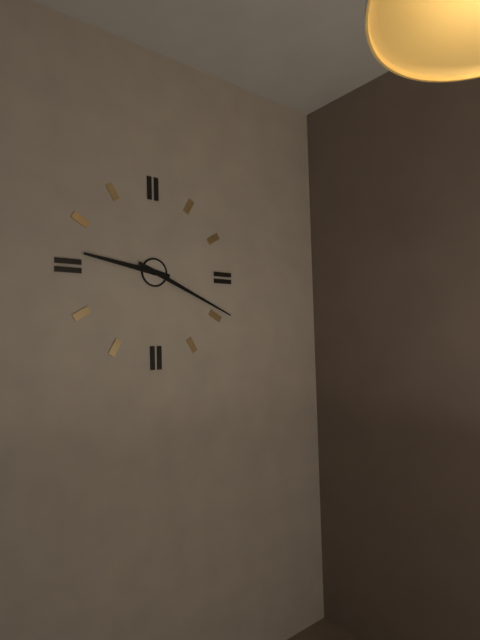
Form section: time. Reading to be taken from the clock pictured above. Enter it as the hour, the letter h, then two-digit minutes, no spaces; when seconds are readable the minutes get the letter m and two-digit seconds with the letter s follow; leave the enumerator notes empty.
9h19
